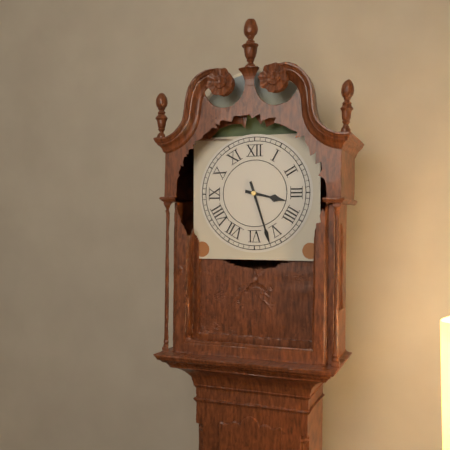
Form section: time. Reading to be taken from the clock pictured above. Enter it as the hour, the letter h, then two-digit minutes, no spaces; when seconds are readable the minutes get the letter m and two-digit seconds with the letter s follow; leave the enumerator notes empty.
3h27
